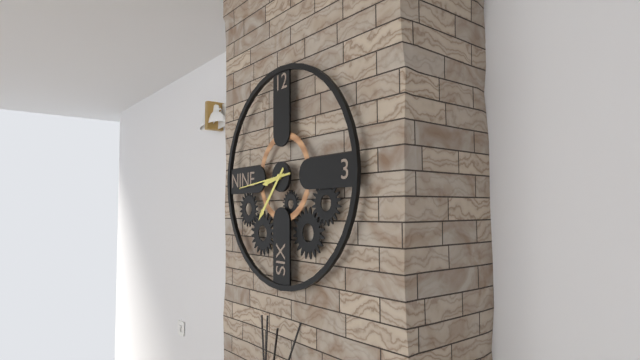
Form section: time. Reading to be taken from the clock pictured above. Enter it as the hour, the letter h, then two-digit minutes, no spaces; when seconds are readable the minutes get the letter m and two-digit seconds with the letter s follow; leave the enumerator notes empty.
8h37m44s
